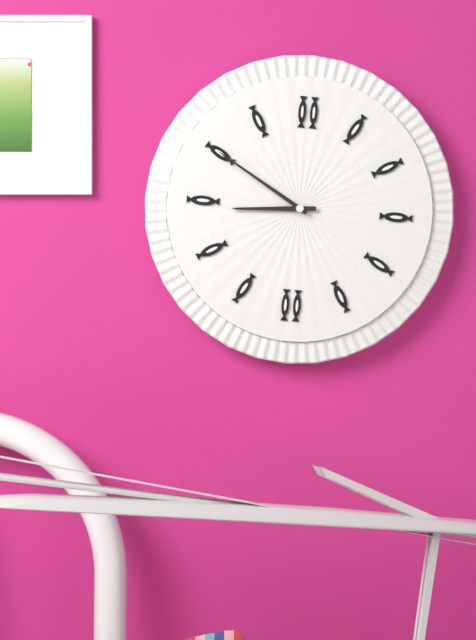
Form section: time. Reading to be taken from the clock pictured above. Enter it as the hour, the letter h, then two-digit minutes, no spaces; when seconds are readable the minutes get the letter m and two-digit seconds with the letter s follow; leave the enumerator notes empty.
8h50
